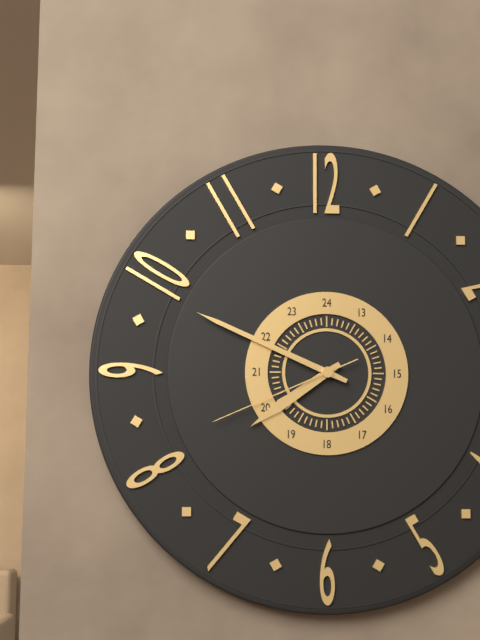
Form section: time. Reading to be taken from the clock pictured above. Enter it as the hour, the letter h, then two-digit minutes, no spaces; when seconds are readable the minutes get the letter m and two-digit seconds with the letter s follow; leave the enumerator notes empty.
7h49m41s
